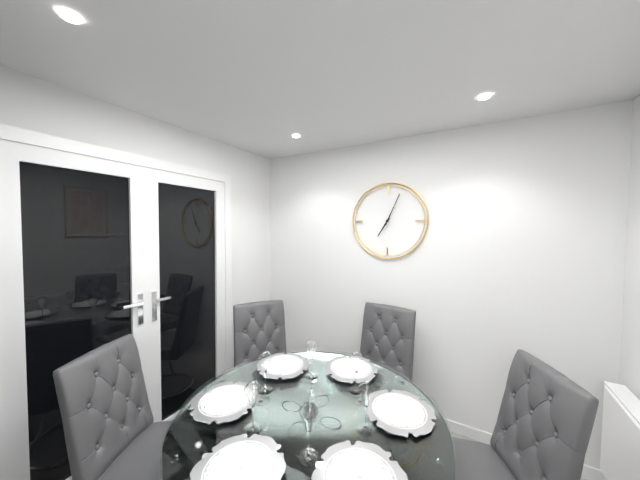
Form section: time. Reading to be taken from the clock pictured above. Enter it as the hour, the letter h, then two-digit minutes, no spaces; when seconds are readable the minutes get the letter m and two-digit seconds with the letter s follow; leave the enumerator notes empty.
7h04
